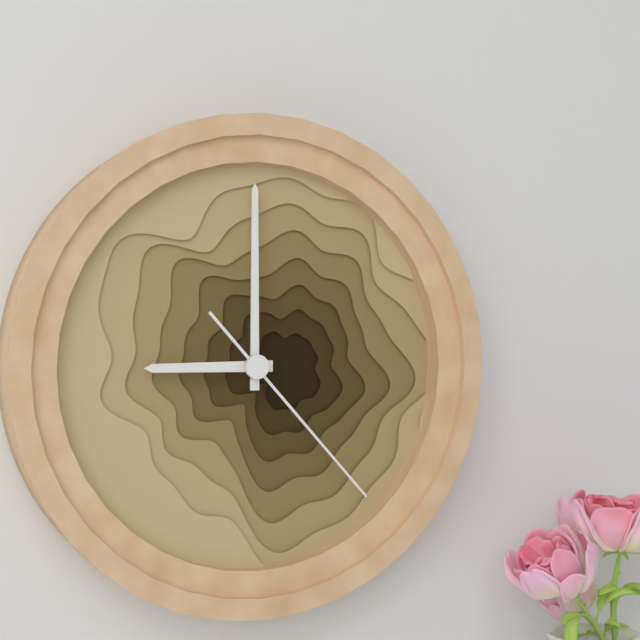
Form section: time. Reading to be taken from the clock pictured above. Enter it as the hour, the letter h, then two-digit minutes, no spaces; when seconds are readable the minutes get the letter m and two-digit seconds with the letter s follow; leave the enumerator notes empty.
9h00m23s
